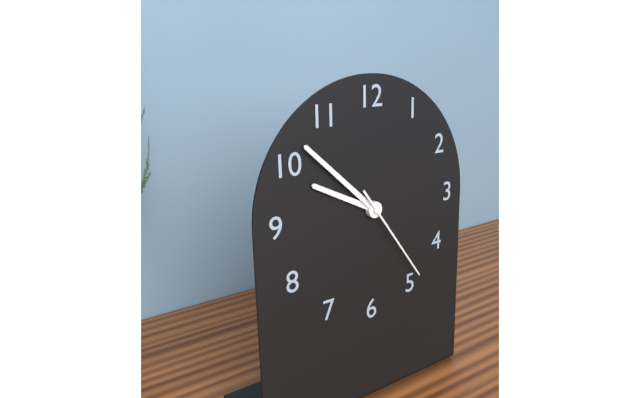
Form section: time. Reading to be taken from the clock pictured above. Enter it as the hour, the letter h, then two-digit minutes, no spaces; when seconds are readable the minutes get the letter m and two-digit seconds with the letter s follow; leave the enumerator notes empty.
9h52m24s
